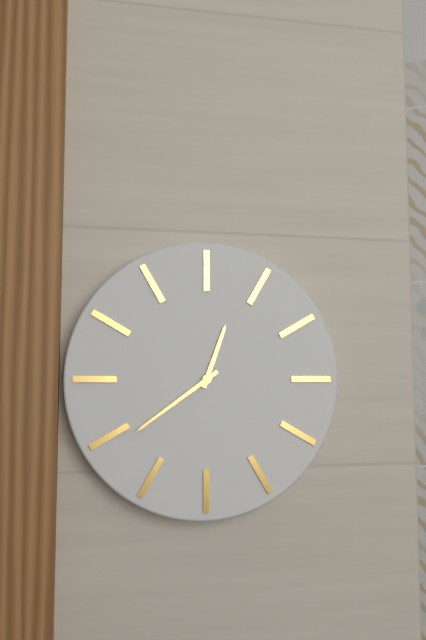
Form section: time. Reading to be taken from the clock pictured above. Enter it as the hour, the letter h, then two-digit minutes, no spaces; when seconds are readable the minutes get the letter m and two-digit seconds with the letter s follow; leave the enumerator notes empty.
12h39
